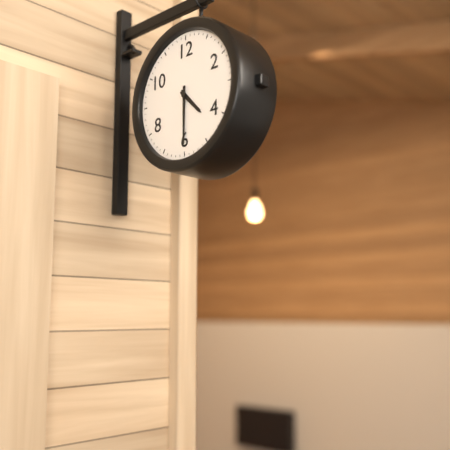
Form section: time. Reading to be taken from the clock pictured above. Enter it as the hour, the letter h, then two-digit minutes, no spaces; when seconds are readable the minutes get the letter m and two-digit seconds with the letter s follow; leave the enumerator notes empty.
4h30
